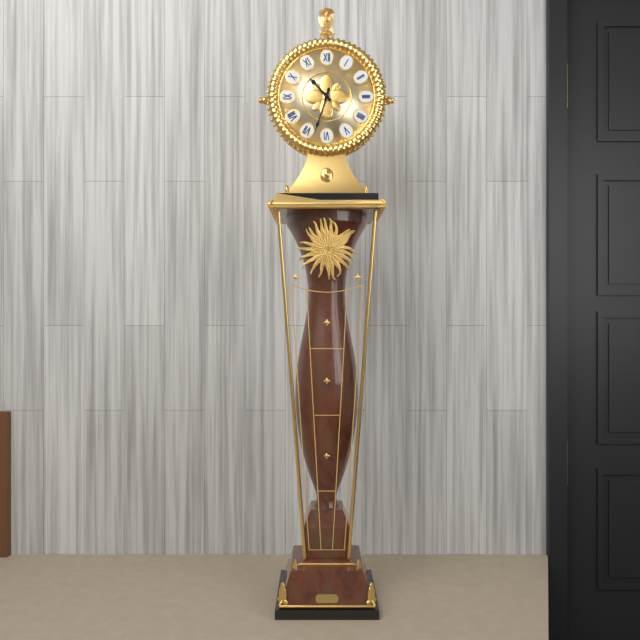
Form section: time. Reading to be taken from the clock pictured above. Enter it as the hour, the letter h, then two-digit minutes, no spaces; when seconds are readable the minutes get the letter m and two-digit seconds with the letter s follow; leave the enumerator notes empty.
10h33
